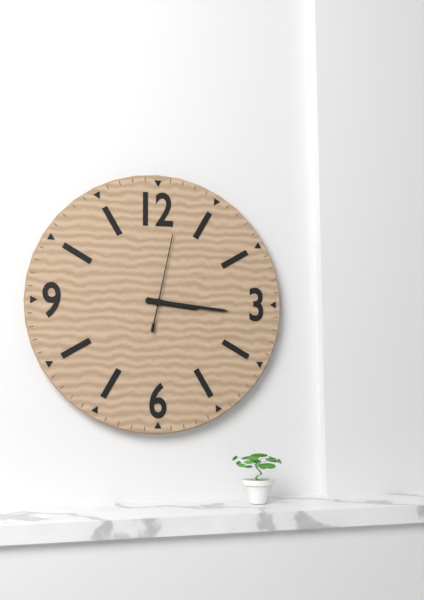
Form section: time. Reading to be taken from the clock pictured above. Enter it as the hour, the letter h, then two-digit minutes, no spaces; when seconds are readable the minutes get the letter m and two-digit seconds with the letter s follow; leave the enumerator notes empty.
3h16m02s
